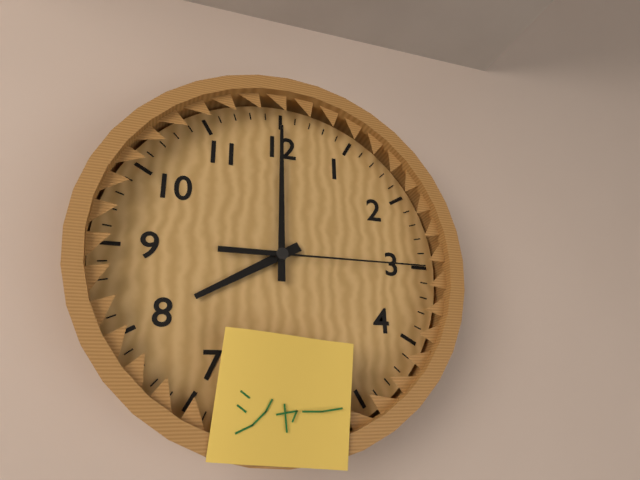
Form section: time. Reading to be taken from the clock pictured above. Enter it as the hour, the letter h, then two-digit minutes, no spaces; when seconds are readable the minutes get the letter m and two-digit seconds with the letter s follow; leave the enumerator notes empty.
8h00m15s
